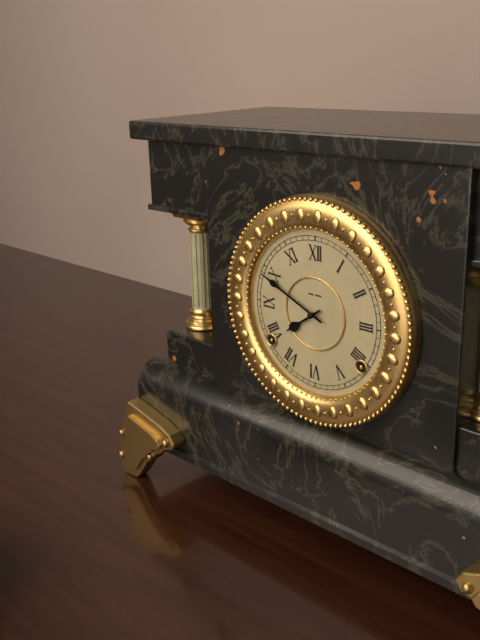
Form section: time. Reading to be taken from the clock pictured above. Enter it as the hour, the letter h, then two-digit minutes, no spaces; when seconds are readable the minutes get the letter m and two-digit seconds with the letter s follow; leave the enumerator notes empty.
7h49
